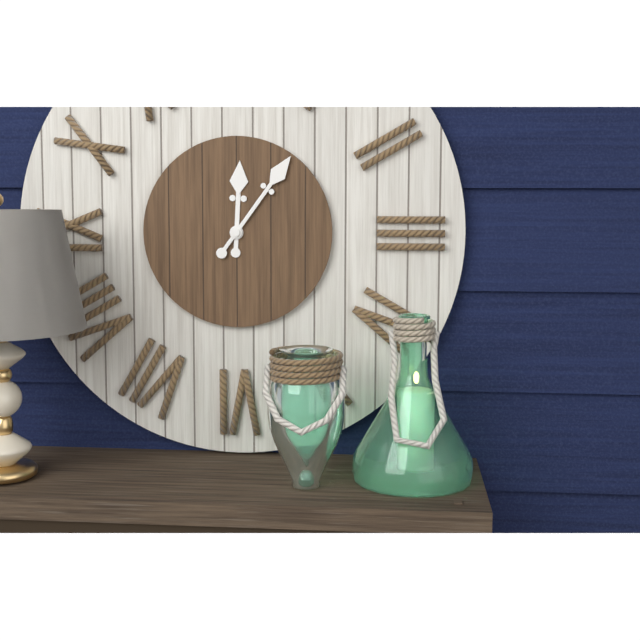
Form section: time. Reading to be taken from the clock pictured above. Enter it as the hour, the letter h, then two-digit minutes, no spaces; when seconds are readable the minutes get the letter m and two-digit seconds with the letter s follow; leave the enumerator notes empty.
12h06
